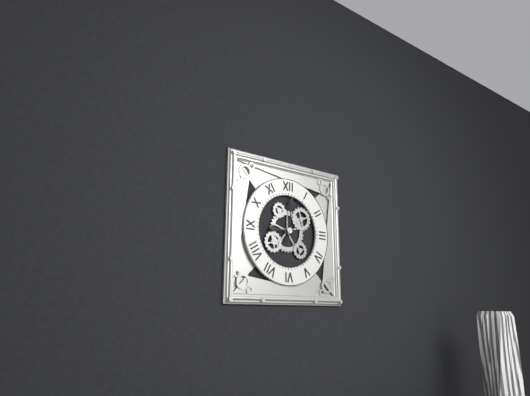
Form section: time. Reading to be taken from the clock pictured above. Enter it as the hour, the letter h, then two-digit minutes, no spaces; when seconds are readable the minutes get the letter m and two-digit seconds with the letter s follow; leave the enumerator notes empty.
9h01
